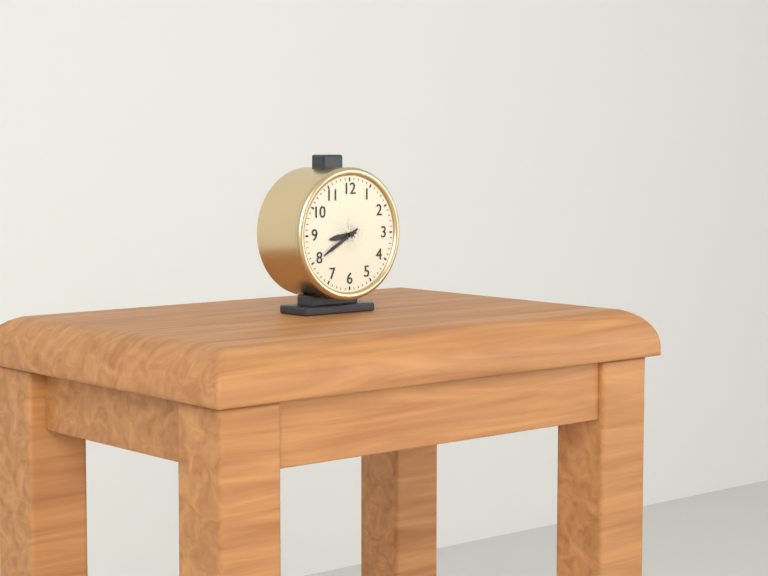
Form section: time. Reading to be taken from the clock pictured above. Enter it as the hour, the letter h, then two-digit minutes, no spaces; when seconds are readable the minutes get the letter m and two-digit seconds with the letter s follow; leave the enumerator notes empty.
8h40
